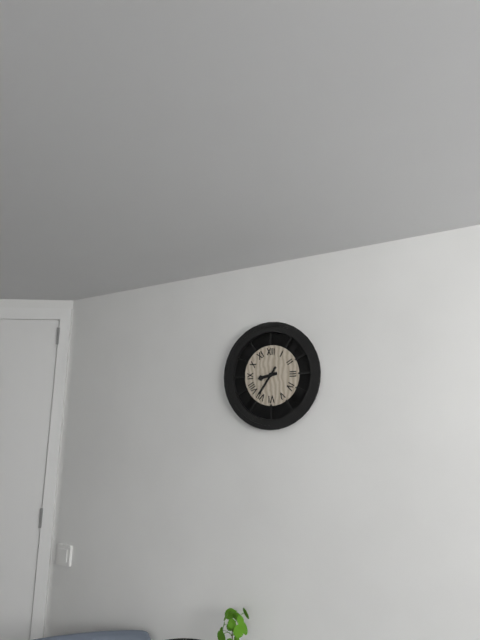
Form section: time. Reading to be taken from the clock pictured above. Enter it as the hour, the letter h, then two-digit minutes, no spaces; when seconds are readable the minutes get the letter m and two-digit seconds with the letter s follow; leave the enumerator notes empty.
8h36
